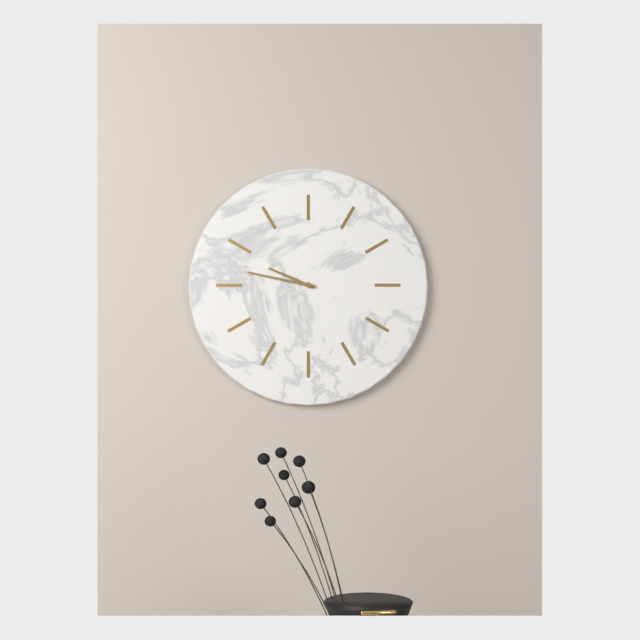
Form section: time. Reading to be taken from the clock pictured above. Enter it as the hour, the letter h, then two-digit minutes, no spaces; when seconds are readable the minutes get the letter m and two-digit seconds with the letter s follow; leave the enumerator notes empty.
9h47
